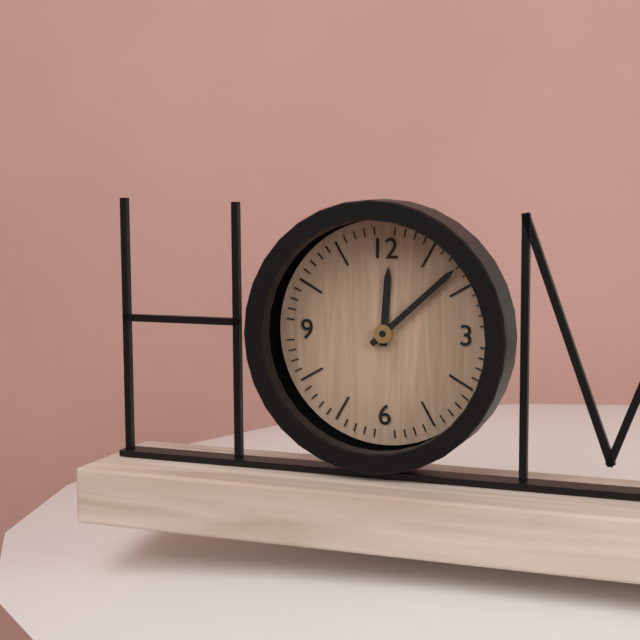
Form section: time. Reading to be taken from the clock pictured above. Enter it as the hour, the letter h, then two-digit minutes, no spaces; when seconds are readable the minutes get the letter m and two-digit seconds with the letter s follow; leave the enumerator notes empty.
12h08
